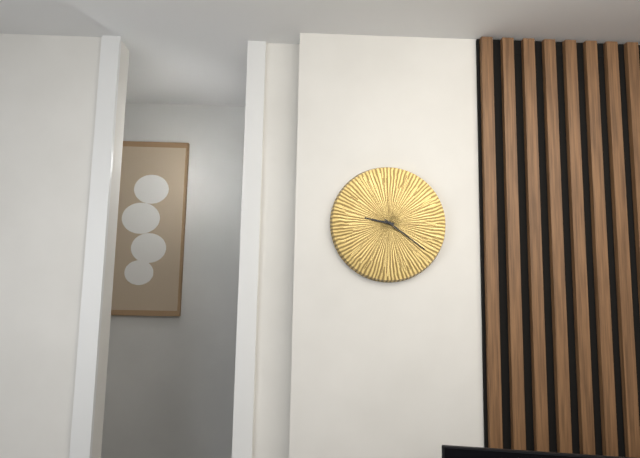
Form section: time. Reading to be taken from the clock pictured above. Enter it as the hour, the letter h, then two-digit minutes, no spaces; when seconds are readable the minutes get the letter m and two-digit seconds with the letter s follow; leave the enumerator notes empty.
9h21
